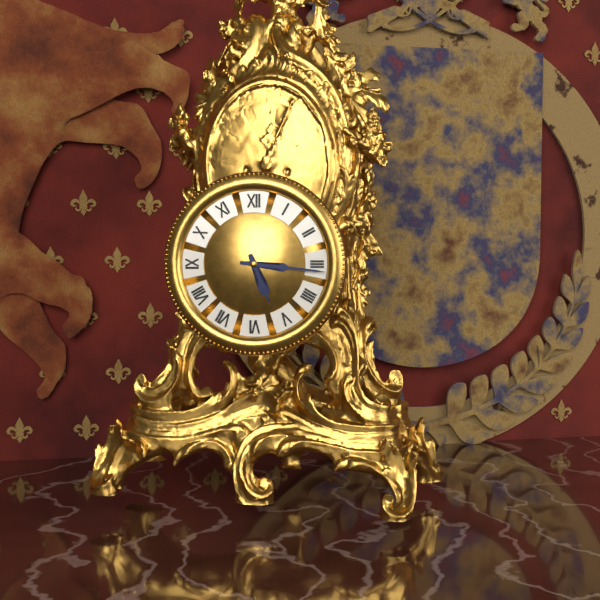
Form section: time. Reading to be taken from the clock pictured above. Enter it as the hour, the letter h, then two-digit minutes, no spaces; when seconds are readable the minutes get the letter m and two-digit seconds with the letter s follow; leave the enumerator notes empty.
5h16
